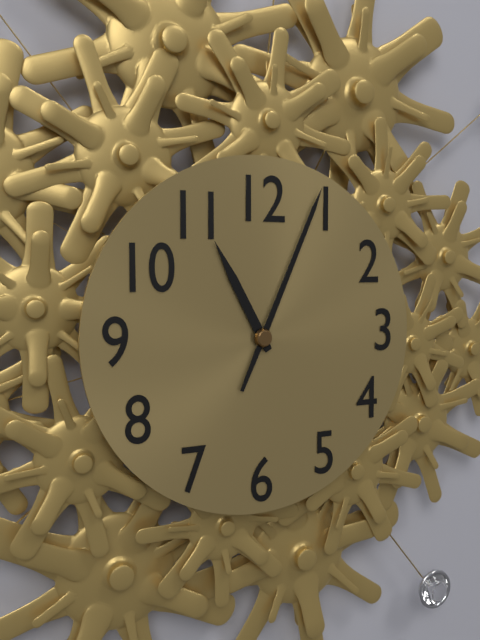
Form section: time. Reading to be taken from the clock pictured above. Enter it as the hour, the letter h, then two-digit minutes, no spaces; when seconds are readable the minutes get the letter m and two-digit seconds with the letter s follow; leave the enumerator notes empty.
11h04
